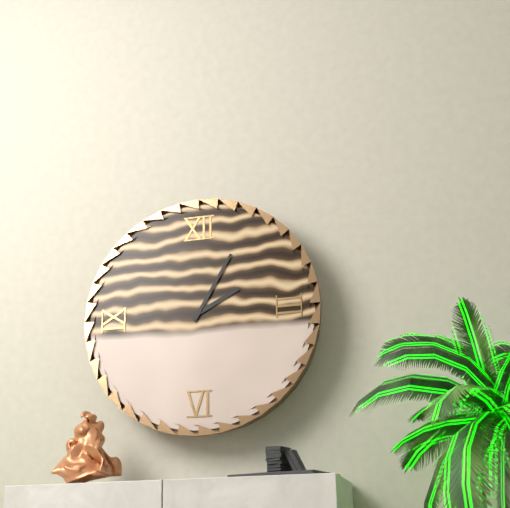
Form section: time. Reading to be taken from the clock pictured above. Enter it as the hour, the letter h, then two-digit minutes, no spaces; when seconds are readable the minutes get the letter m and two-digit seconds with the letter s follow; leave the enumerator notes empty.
2h05
